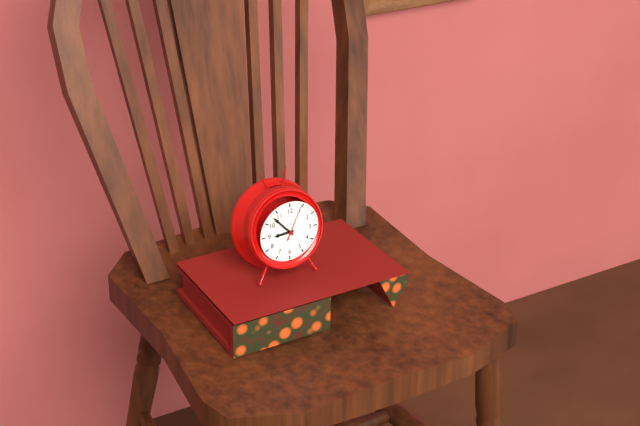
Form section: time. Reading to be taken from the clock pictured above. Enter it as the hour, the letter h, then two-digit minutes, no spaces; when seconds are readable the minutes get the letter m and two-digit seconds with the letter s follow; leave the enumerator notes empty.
8h53
